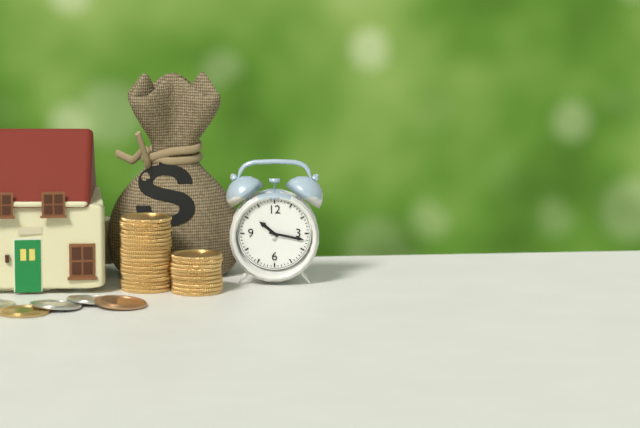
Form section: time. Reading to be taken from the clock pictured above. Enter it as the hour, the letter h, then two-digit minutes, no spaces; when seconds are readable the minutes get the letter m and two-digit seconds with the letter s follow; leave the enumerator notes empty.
10h17
